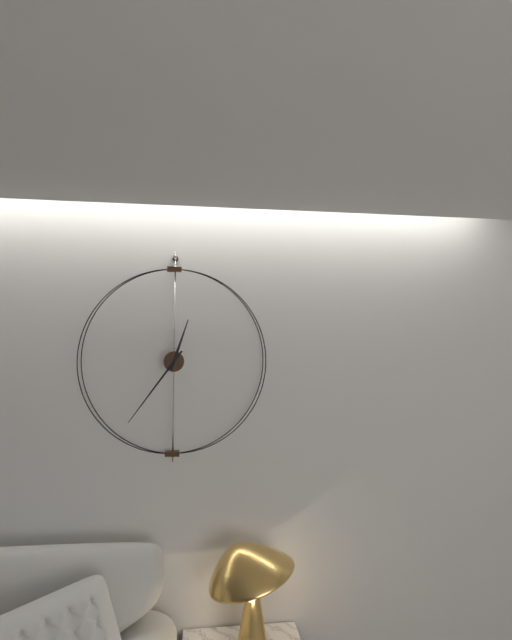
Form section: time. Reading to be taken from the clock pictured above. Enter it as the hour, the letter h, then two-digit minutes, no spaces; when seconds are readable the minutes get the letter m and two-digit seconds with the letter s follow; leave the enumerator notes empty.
12h36
